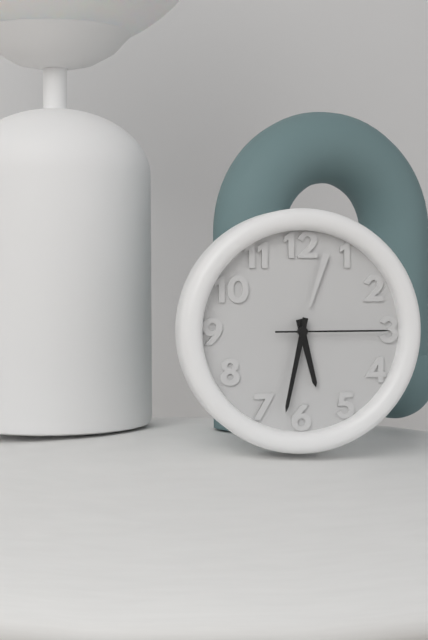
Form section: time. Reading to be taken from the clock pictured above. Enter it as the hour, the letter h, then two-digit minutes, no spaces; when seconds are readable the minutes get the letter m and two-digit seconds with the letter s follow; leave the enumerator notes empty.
5h32m15s
